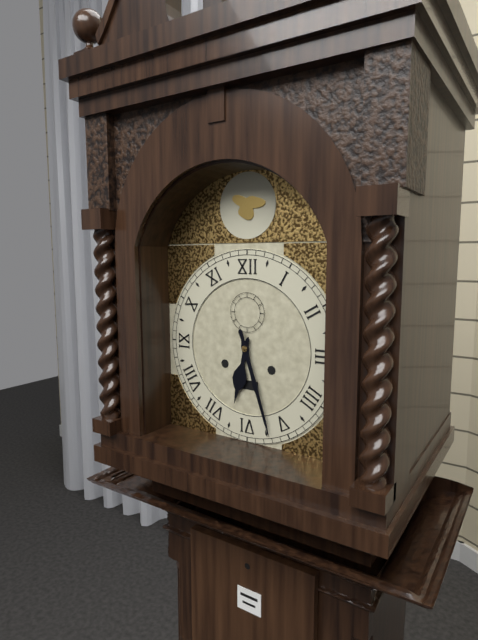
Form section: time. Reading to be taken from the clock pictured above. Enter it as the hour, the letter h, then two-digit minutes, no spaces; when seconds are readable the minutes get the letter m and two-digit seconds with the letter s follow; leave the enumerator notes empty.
6h27
